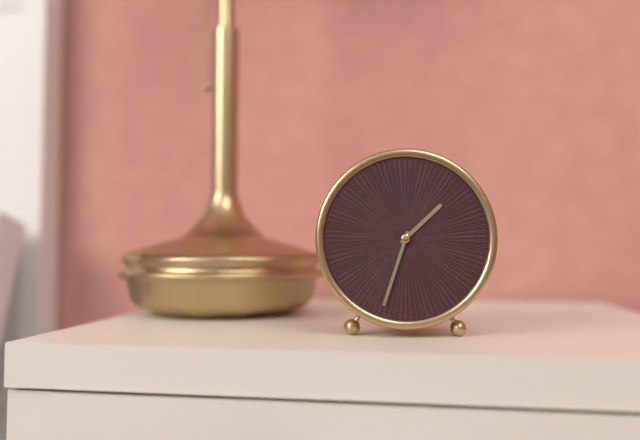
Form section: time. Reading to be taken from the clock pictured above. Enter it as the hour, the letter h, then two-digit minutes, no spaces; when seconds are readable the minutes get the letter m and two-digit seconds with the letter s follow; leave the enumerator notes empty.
1h33
